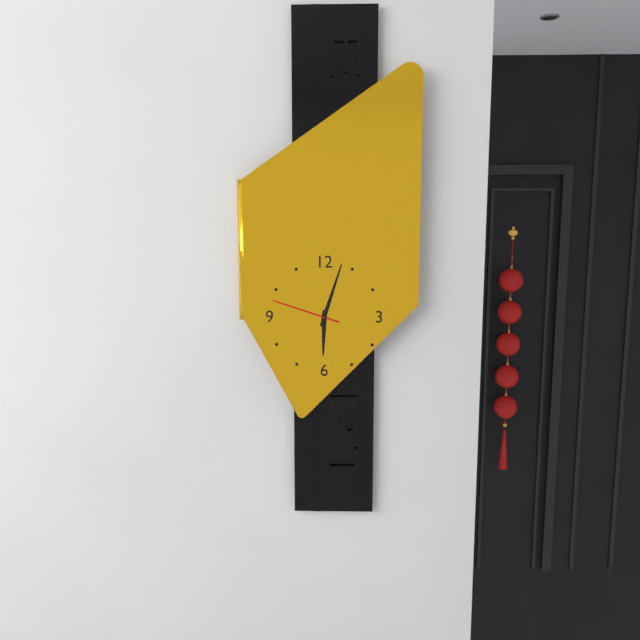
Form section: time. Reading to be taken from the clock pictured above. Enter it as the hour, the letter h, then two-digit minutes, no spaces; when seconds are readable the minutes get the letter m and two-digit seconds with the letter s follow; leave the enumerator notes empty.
6h03m48s
